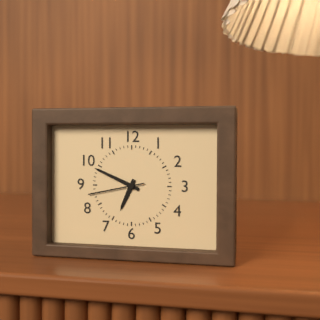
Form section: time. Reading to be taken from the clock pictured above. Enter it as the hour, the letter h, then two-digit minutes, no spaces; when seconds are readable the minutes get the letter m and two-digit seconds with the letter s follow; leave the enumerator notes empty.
6h49m43s
